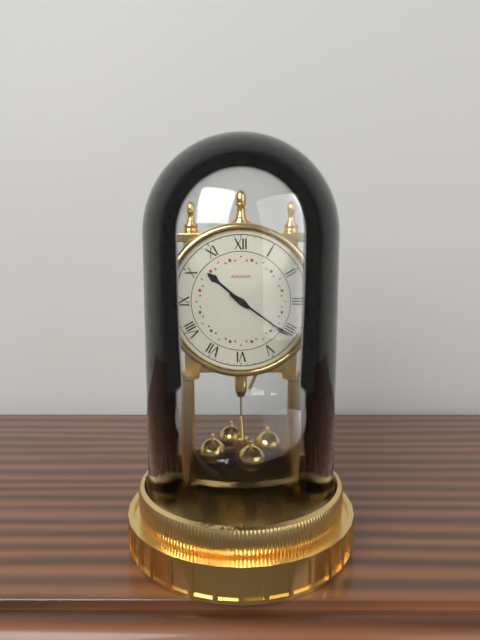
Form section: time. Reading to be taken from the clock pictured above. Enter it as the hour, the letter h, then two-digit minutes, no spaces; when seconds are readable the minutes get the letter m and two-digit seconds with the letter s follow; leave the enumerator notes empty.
10h21
